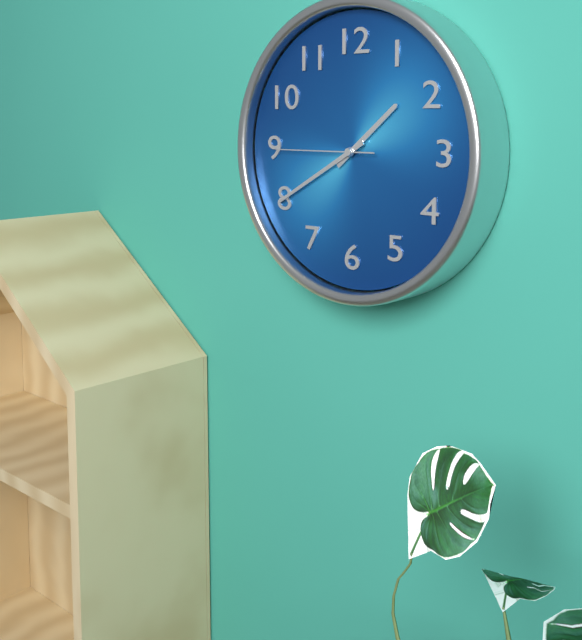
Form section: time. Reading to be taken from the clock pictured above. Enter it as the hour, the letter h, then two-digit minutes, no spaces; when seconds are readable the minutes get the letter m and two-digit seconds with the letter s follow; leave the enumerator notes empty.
1h40m45s
